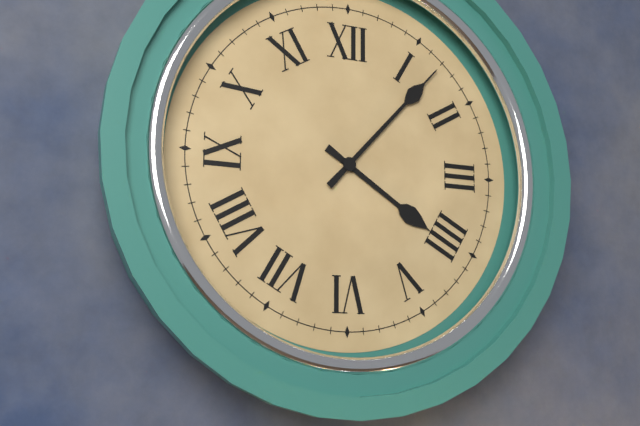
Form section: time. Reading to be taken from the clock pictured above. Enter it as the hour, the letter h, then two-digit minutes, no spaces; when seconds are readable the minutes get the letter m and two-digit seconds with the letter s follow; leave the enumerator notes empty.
4h07
